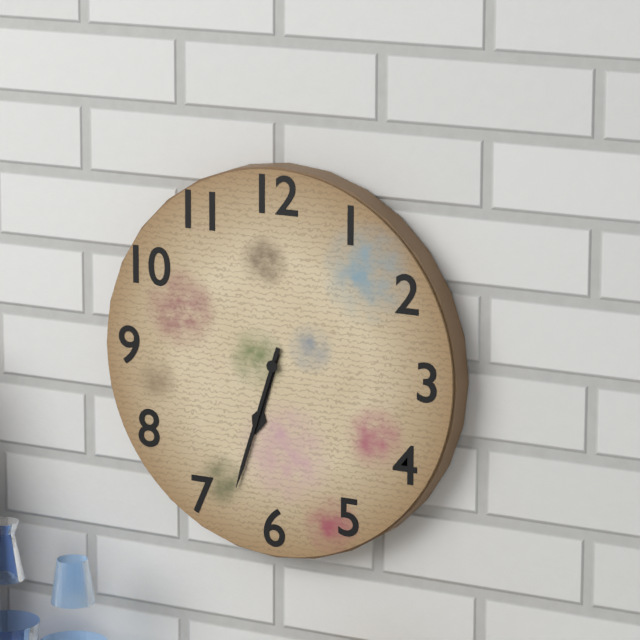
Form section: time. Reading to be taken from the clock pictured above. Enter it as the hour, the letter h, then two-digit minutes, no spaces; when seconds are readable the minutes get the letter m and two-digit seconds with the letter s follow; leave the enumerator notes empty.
6h33
